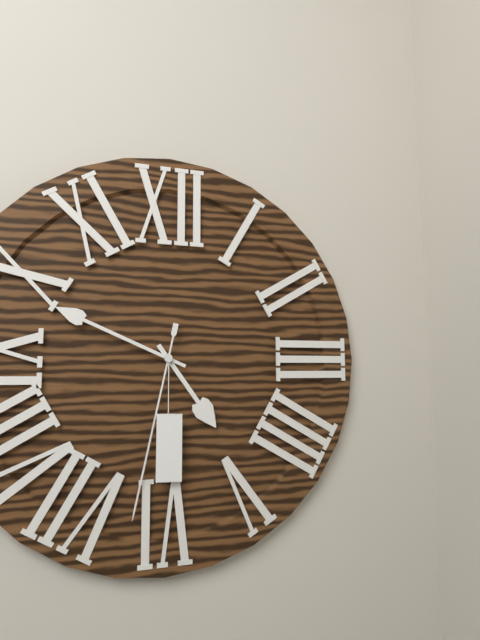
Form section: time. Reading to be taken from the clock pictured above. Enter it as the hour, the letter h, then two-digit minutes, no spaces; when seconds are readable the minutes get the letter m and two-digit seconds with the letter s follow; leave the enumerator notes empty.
4h49m32s
